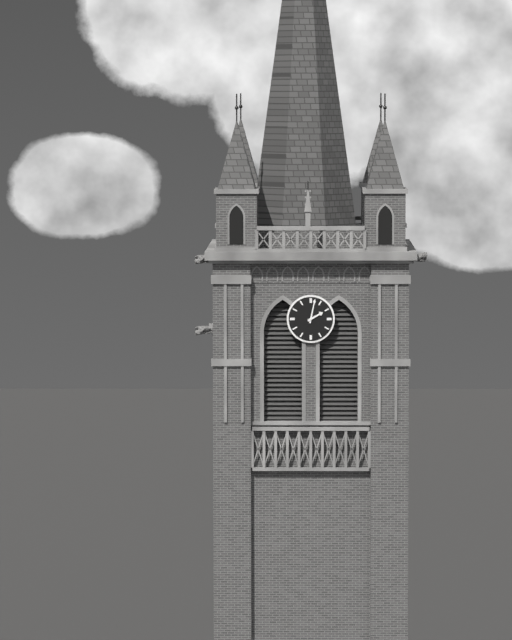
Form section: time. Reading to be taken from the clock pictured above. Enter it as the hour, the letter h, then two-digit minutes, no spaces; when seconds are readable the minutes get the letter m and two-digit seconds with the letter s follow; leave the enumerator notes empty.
2h02
